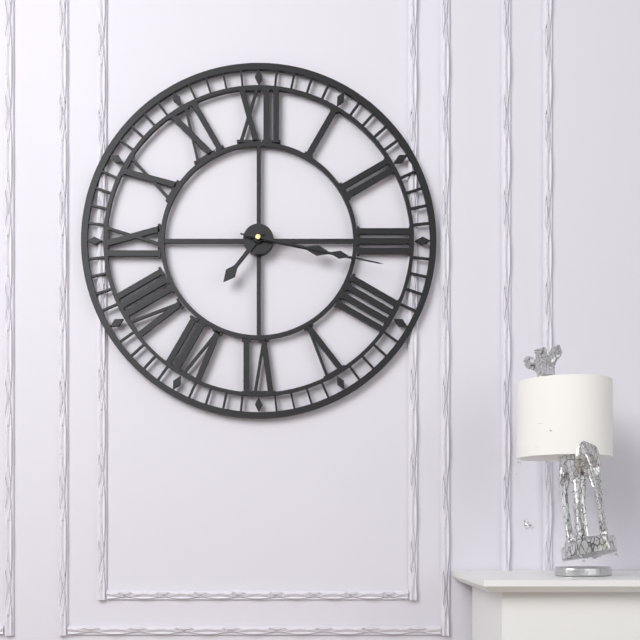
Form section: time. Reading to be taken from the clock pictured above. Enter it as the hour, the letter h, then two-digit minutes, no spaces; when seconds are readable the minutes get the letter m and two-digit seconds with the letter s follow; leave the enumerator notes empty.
7h17m17s
